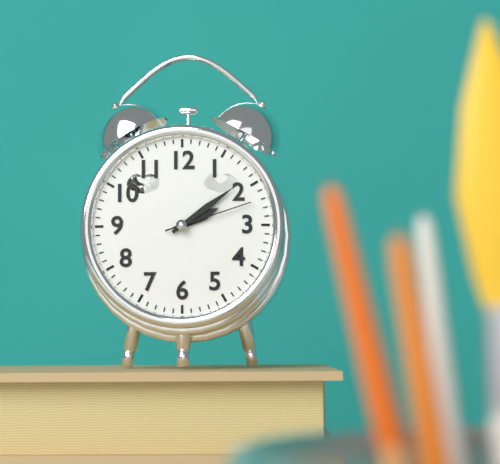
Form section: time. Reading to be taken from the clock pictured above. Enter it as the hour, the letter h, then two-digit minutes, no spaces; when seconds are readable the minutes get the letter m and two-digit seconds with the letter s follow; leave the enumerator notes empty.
2h09m12s
